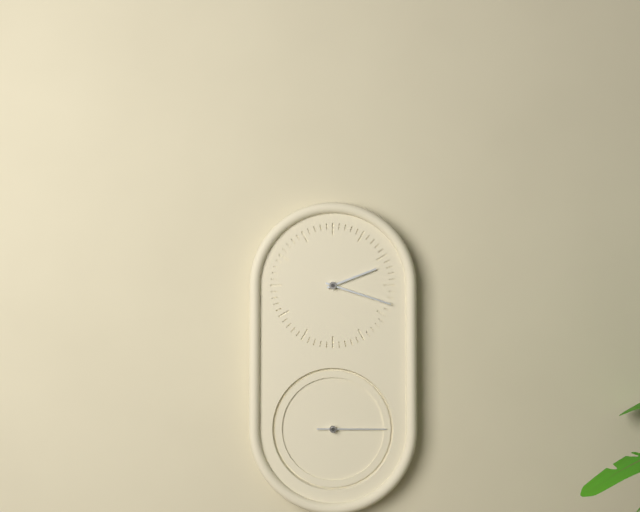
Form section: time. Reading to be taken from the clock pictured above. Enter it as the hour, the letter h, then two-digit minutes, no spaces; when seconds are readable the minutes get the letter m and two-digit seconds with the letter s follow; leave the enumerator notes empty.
2h18m15s
